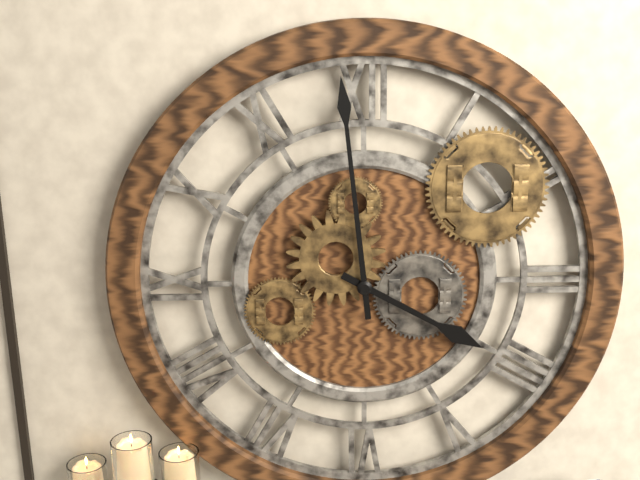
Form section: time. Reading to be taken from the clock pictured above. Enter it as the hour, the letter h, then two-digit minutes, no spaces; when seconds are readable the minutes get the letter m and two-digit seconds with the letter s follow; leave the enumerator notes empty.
3h59
